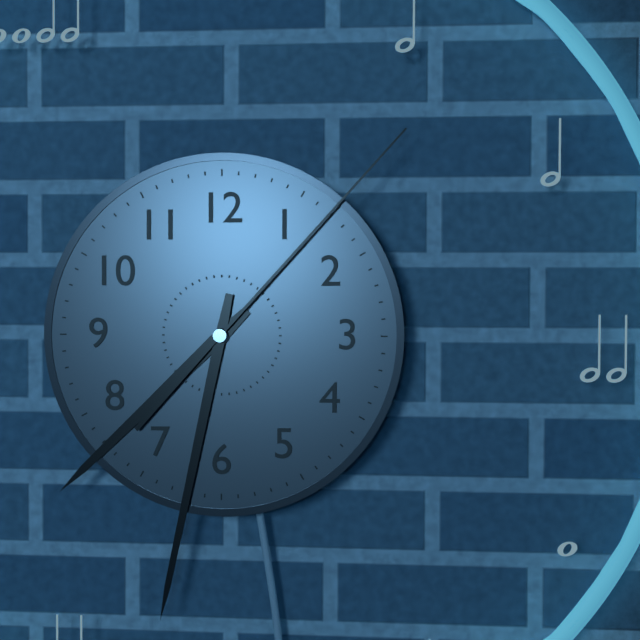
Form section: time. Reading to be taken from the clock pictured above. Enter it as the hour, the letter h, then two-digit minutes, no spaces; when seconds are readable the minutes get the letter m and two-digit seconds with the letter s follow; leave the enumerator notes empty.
7h32m07s
